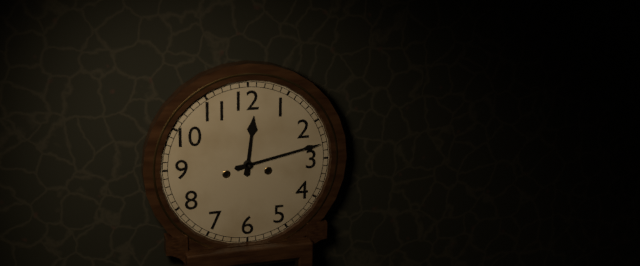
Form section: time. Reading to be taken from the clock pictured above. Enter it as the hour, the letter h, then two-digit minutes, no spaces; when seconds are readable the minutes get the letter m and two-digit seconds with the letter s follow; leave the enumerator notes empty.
12h13
